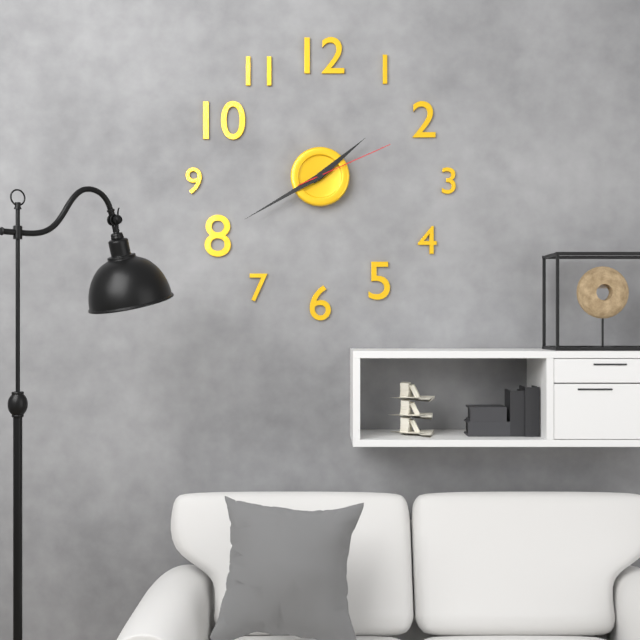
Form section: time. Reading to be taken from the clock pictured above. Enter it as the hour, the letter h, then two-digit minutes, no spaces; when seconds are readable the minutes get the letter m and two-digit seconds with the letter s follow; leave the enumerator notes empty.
1h40m11s
